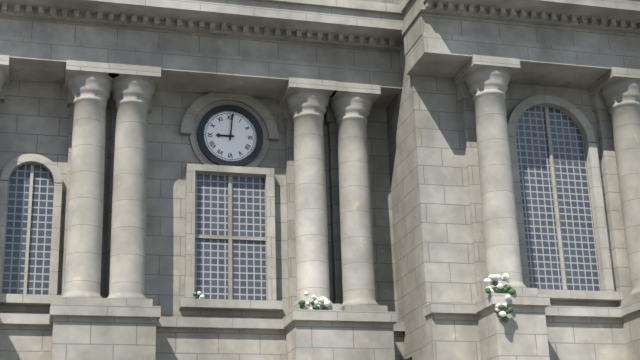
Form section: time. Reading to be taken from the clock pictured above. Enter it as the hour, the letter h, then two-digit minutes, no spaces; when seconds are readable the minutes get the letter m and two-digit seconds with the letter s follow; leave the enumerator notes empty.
9h01
